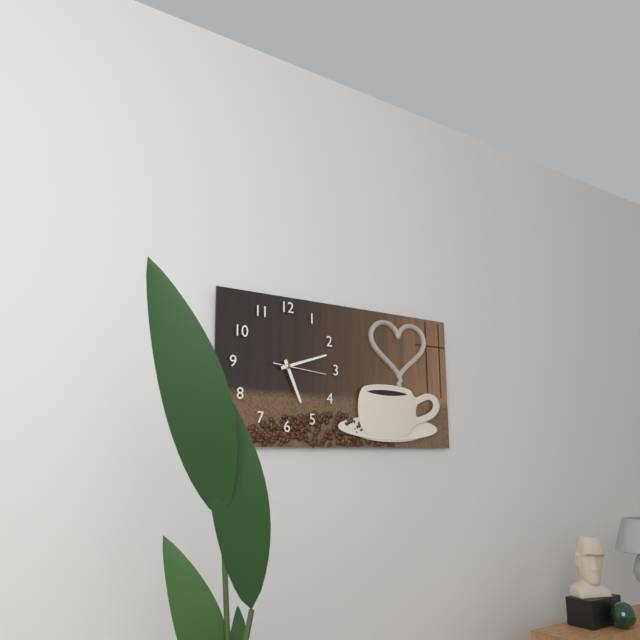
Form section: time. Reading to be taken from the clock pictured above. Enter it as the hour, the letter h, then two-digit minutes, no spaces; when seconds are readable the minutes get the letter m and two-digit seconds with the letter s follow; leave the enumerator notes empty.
5h12
